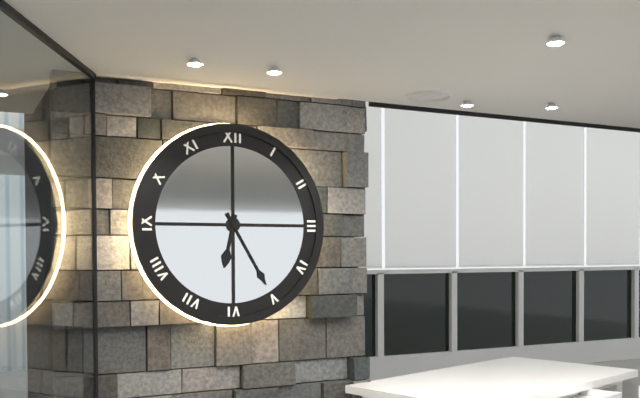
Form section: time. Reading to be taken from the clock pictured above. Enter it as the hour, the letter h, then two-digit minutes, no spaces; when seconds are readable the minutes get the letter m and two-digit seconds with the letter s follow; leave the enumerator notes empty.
6h25
